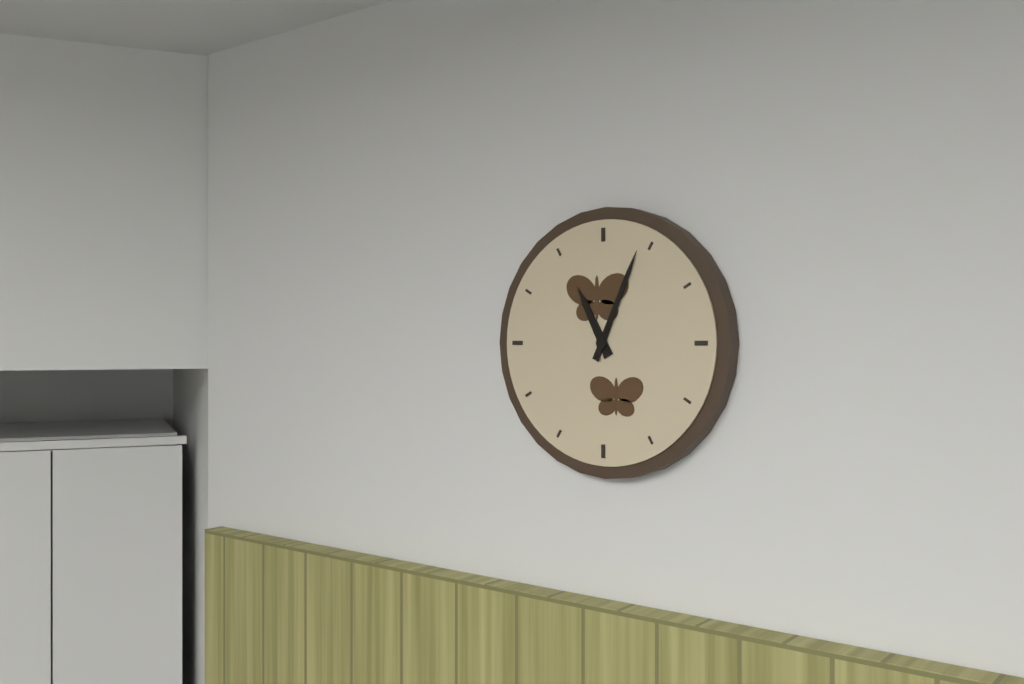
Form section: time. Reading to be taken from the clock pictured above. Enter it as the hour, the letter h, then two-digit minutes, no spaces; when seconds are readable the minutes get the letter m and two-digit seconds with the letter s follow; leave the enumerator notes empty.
11h04
